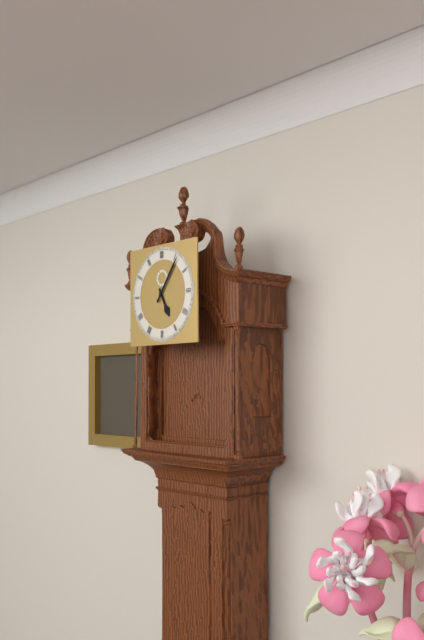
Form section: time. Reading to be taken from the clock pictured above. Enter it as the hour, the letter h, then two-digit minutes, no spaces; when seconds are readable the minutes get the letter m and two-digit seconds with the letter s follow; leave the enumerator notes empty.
5h06
